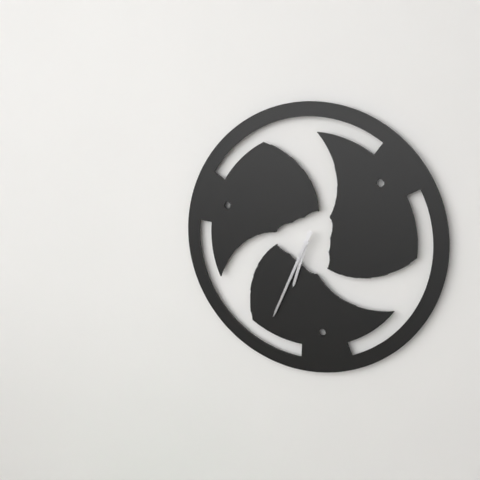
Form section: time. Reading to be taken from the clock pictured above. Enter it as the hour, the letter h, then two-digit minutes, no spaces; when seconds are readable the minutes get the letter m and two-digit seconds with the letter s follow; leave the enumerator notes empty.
6h34
